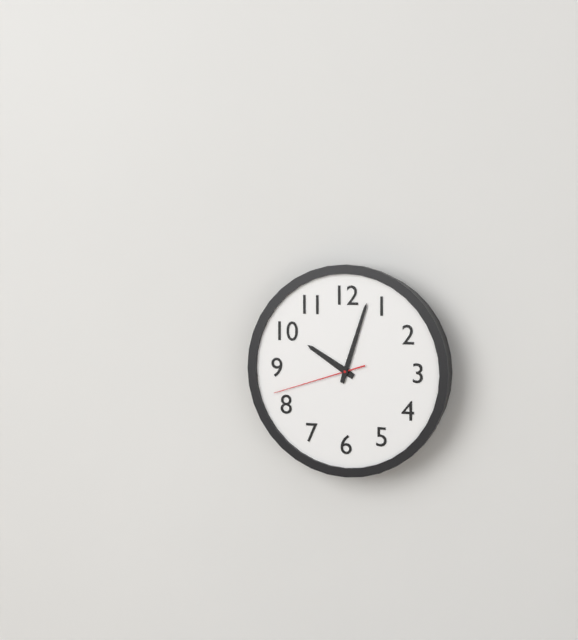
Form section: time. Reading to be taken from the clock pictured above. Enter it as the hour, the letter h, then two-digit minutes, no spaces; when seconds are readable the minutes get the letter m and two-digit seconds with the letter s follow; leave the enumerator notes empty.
10h03m42s
